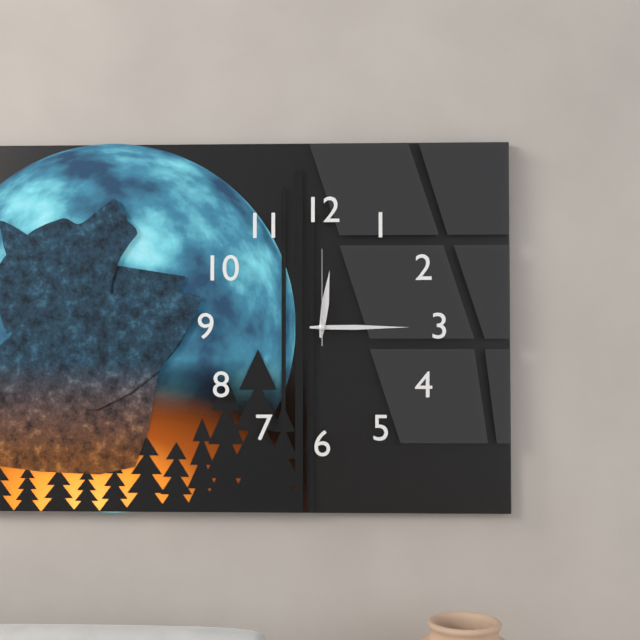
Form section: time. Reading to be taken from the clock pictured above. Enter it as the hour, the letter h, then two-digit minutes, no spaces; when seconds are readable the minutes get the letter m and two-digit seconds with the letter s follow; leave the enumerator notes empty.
12h15m00s
